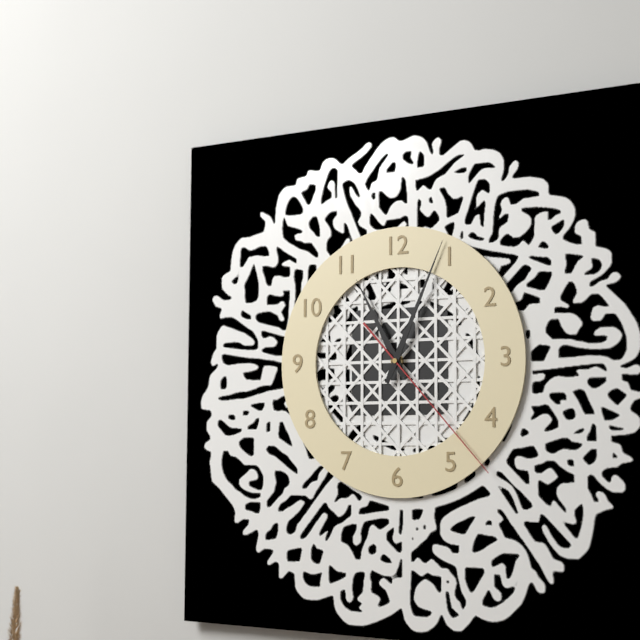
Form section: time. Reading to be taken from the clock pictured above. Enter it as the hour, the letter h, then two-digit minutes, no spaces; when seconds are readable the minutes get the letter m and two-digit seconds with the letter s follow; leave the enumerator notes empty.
11h04m23s
